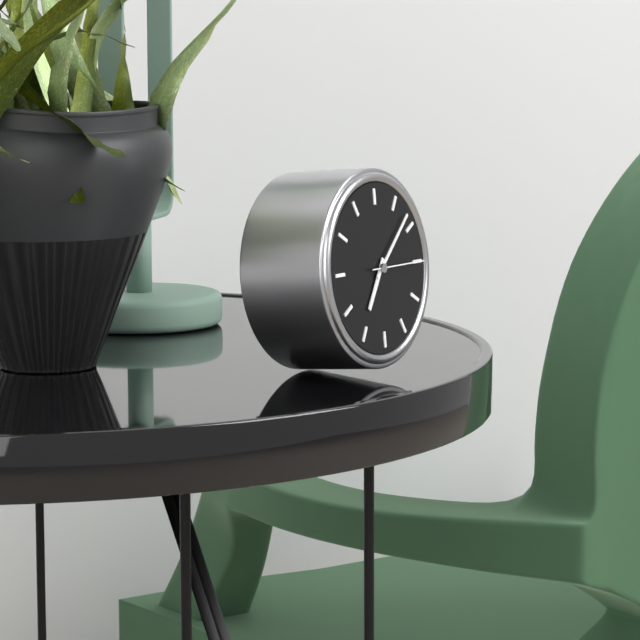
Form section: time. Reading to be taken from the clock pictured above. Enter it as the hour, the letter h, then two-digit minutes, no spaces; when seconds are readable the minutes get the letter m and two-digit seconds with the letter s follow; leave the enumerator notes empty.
7h08m15s
